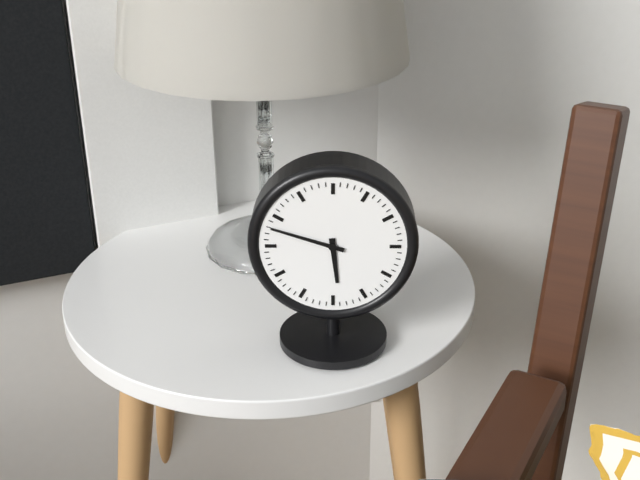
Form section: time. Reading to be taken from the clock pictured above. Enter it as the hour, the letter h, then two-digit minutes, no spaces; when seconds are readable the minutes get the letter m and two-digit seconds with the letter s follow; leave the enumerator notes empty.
5h48
